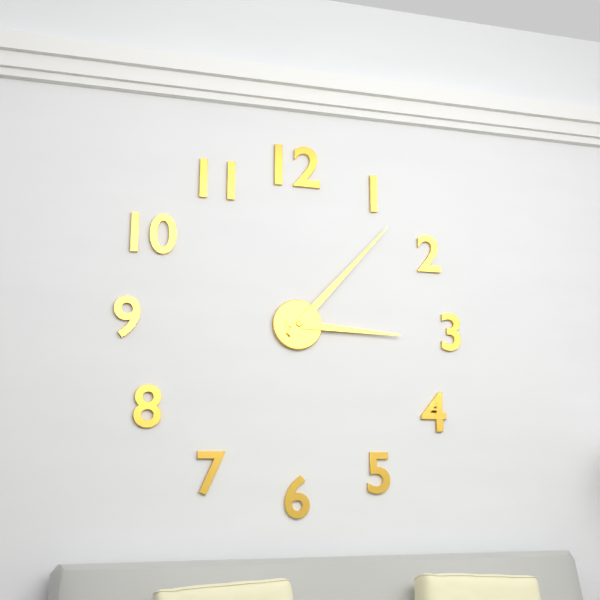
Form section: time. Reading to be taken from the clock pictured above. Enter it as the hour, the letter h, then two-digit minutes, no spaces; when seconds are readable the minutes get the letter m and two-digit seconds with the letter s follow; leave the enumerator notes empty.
3h07
